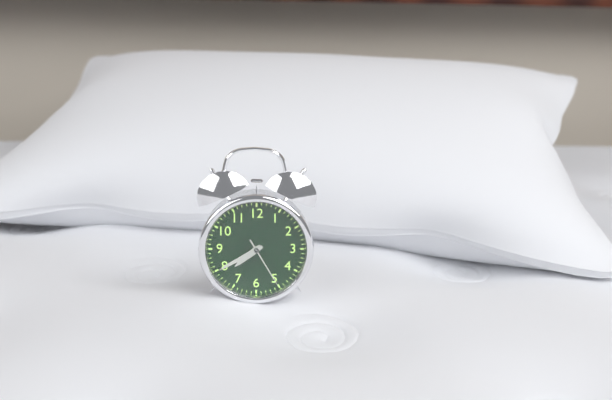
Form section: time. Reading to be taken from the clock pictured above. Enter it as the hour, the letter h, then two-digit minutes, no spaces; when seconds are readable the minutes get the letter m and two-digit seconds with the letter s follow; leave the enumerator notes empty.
7h40m25s
